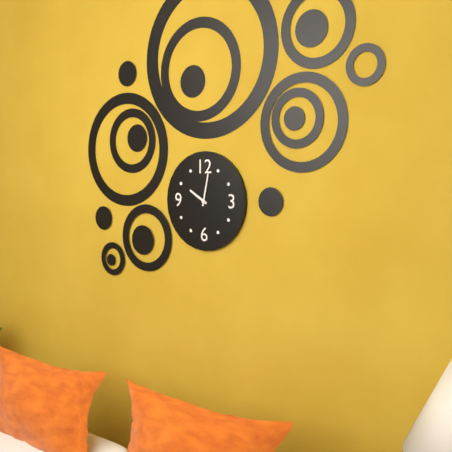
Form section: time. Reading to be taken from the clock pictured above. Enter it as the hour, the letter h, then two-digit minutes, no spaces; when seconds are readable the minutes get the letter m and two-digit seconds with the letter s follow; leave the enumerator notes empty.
10h02
